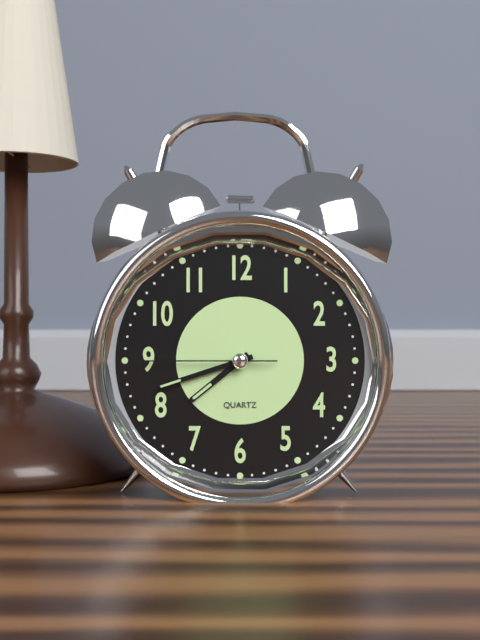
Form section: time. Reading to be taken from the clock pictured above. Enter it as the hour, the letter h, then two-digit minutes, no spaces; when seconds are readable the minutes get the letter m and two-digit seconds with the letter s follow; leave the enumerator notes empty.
7h42m45s
